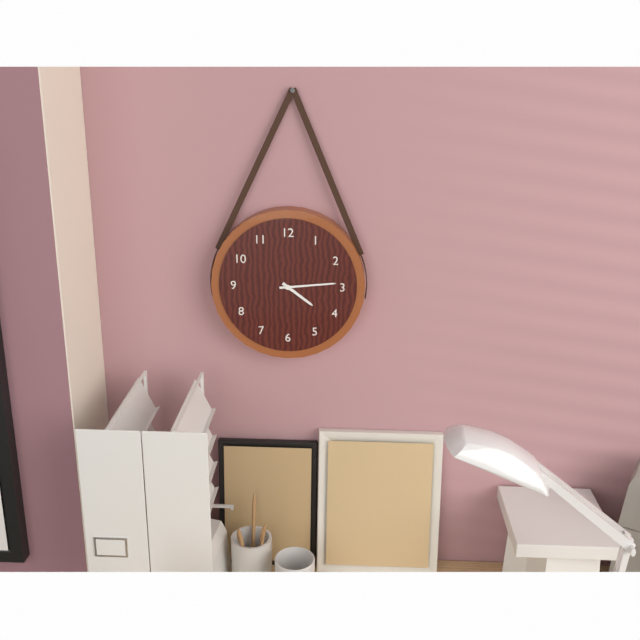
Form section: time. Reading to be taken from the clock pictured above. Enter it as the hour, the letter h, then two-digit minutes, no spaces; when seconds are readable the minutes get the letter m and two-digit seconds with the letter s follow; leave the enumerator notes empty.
4h14
